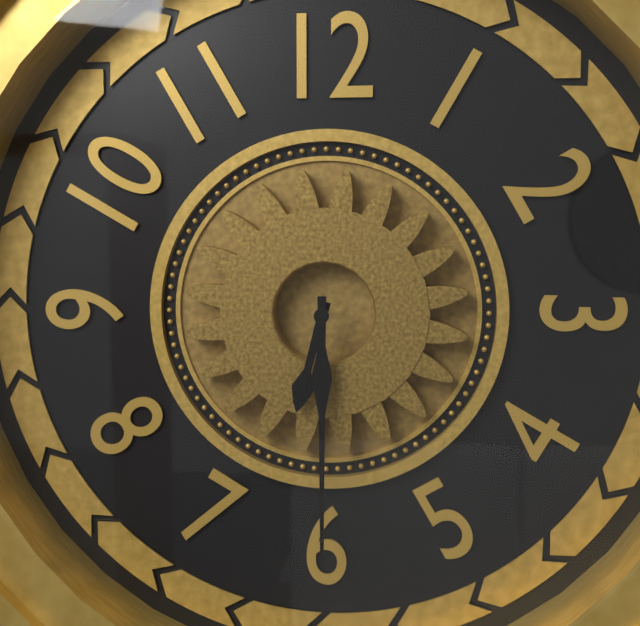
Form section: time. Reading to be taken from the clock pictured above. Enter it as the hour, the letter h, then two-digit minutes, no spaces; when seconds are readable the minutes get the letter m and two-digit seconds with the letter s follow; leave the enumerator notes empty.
6h30
